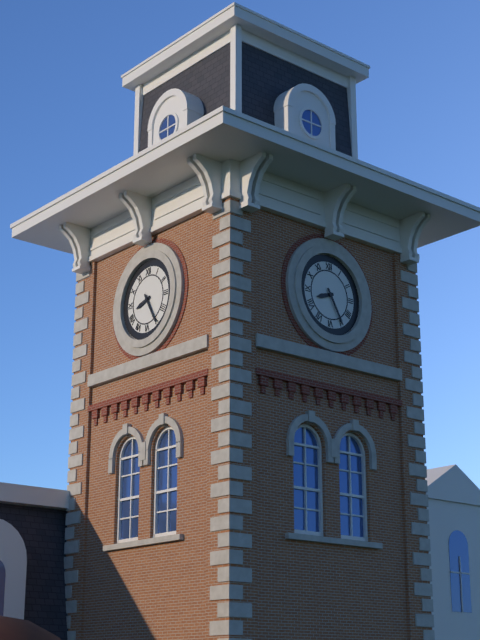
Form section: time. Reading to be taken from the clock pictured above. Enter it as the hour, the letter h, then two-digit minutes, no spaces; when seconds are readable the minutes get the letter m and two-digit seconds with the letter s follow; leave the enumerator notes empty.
8h25
